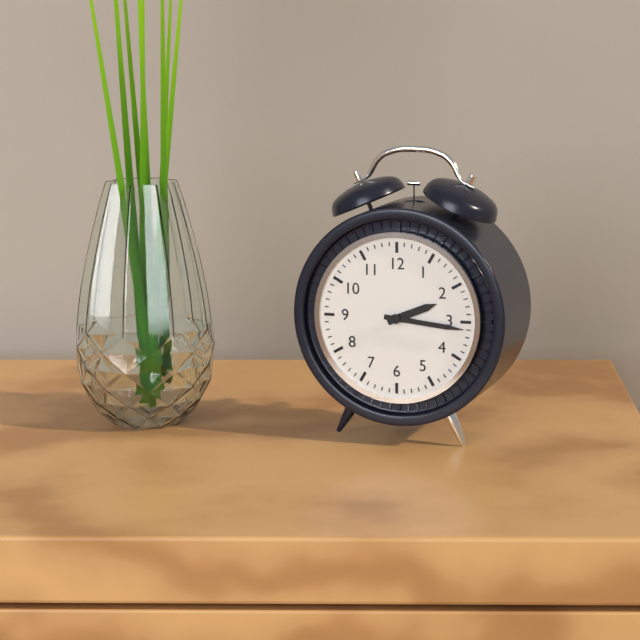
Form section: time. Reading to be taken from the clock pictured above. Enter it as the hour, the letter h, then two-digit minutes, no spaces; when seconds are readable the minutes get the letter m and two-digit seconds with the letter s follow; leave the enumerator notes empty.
2h16
